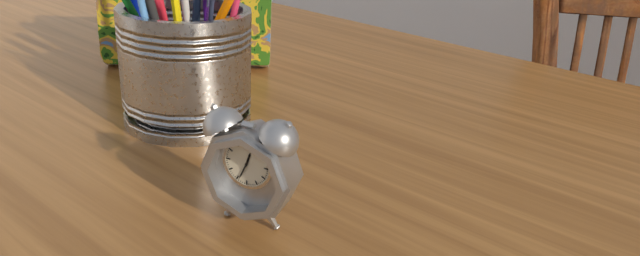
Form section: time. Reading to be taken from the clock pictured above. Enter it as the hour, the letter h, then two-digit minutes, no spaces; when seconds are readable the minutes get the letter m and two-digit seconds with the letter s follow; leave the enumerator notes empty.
12h34
